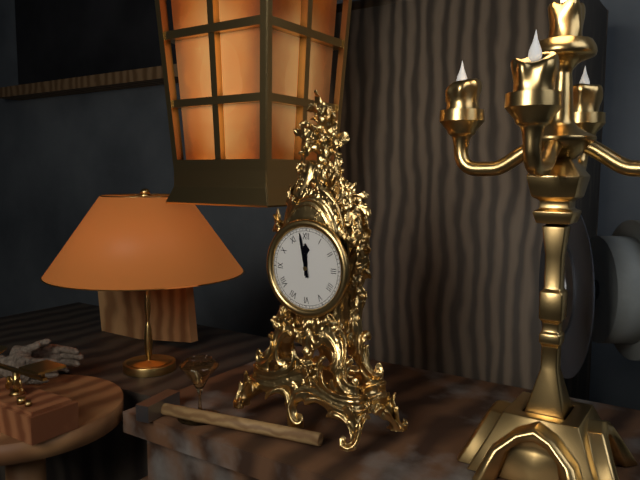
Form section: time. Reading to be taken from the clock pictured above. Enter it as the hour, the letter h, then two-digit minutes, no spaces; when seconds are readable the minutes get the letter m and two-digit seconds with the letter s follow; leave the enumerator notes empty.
11h58
